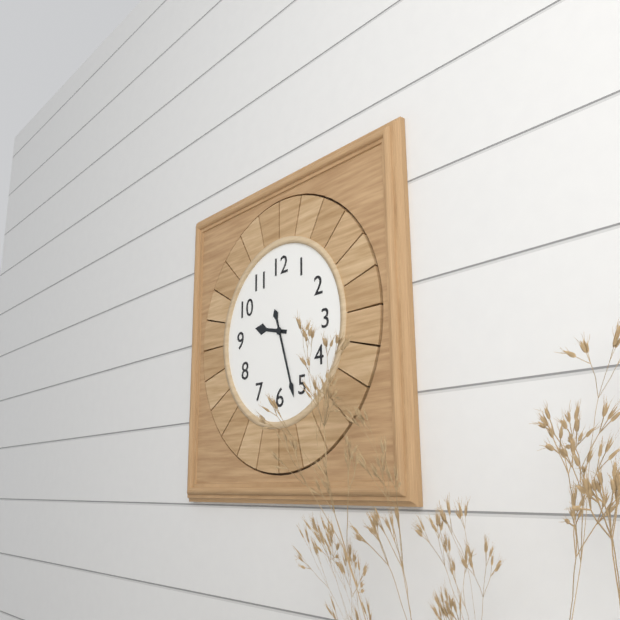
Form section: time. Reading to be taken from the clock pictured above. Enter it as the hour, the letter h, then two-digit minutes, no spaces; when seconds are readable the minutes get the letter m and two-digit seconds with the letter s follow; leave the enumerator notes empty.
9h27
